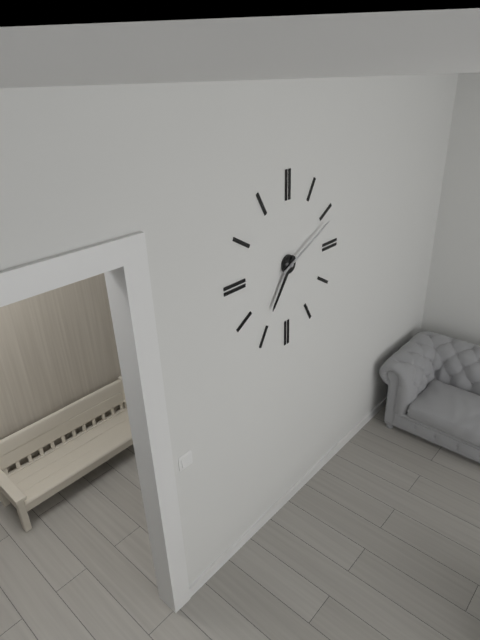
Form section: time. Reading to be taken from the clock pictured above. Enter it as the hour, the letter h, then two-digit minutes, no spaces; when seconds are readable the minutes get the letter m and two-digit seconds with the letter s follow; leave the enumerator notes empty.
7h11
